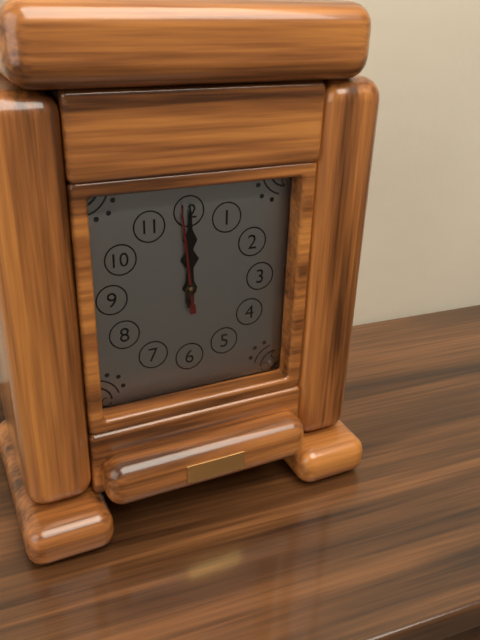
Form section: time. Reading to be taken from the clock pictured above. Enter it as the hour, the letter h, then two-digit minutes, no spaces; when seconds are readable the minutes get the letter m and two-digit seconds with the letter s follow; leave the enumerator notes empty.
12h00m59s
